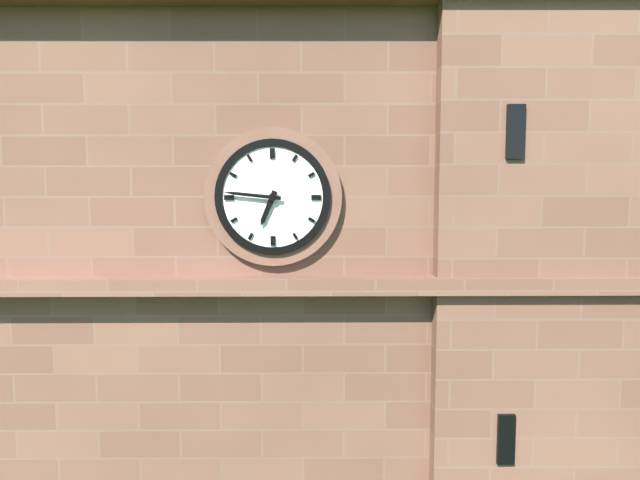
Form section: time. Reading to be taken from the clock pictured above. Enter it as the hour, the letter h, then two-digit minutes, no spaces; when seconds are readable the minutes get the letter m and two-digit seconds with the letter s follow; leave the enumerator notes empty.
6h46
